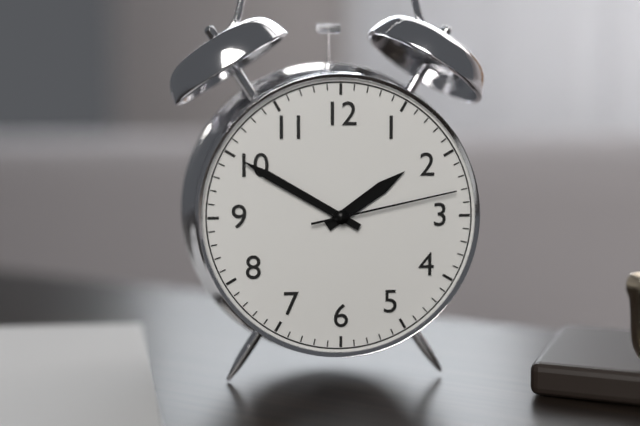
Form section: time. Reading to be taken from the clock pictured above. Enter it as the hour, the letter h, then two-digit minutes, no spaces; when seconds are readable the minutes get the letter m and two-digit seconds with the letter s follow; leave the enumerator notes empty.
1h50m13s
